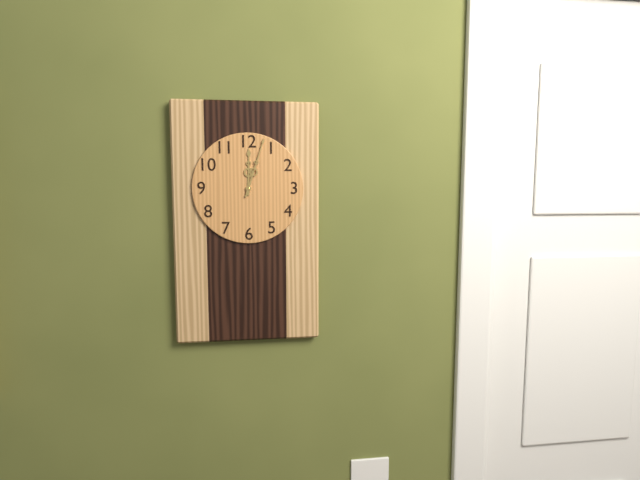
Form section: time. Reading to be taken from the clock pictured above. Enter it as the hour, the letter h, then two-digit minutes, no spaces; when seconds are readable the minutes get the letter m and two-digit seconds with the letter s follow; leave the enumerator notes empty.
12h03
